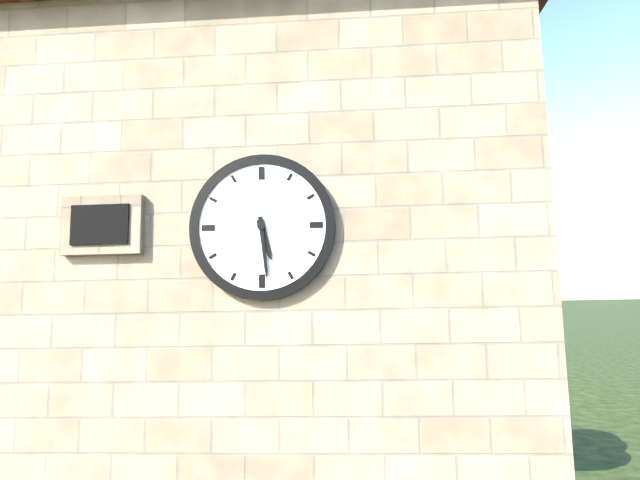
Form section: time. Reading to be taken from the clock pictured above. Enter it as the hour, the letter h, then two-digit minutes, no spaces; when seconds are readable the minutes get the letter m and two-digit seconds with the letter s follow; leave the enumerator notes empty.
5h29
